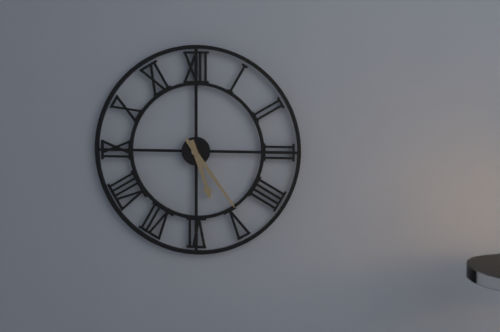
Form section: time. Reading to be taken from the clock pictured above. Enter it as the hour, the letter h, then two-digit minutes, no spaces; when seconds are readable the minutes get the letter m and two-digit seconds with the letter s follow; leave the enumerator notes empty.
5h24
